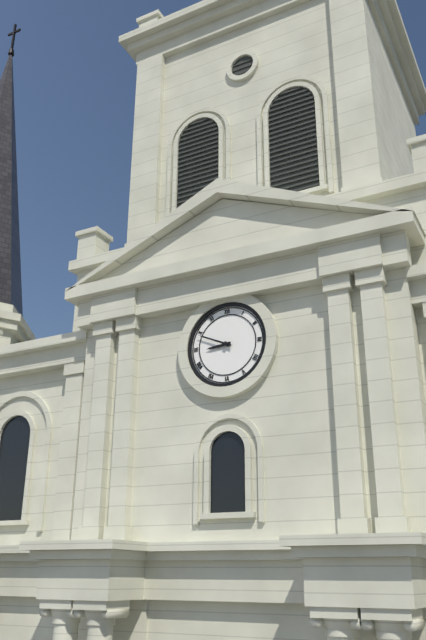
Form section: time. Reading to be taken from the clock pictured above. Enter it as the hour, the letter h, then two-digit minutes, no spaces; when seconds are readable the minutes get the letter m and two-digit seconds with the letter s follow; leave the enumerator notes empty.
8h49
